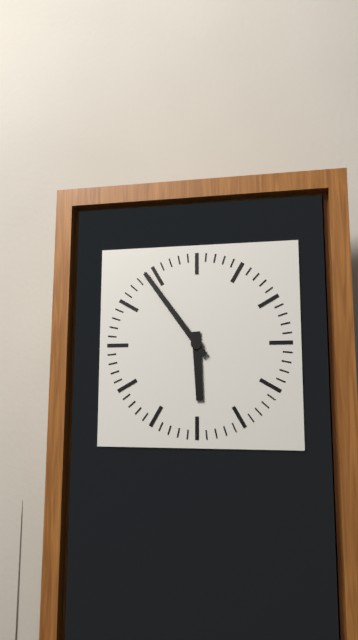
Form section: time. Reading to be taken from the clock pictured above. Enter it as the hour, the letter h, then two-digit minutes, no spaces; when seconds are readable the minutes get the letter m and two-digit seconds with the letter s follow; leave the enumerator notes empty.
5h54
